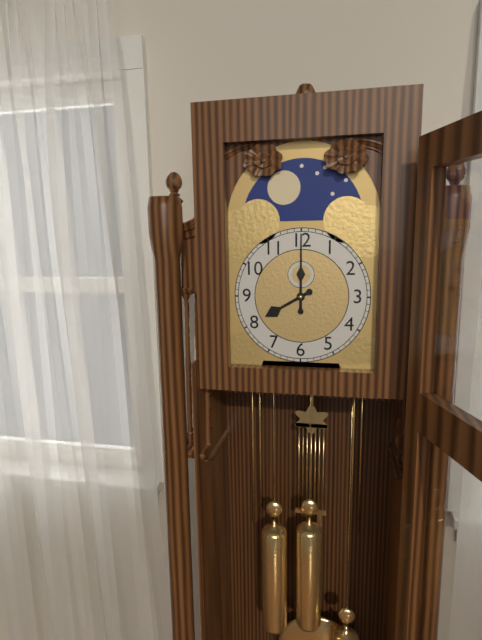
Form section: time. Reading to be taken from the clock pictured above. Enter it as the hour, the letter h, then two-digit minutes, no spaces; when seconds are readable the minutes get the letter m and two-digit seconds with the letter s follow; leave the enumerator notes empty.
8h00
